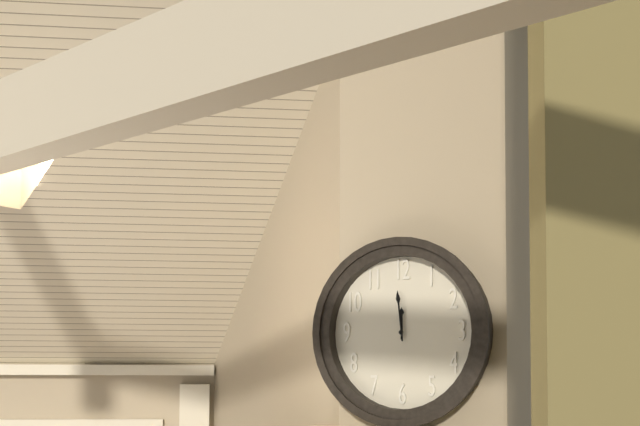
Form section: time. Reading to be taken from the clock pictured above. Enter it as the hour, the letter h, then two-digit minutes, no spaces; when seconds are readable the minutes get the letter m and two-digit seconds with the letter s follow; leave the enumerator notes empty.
11h59
